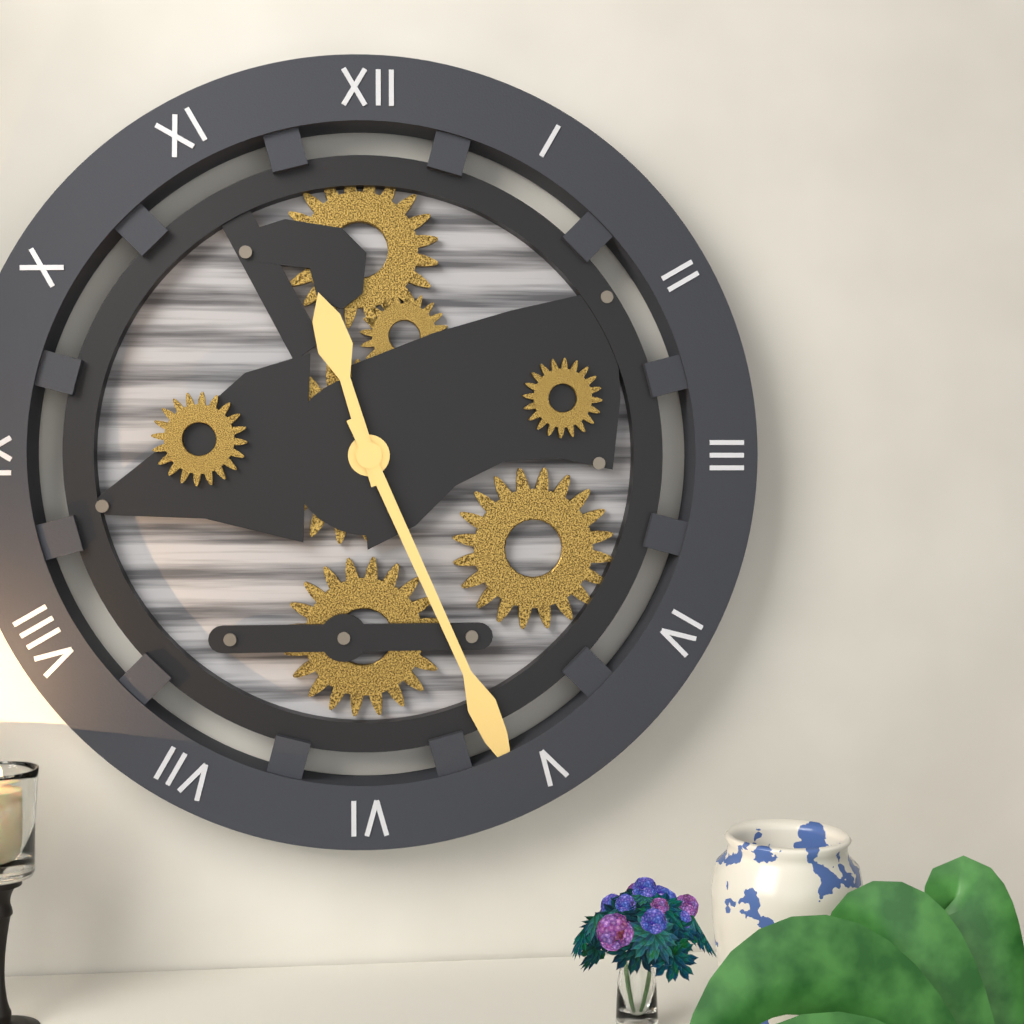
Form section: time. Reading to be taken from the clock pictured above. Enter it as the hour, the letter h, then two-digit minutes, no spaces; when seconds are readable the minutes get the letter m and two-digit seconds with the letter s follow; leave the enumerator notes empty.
11h26
